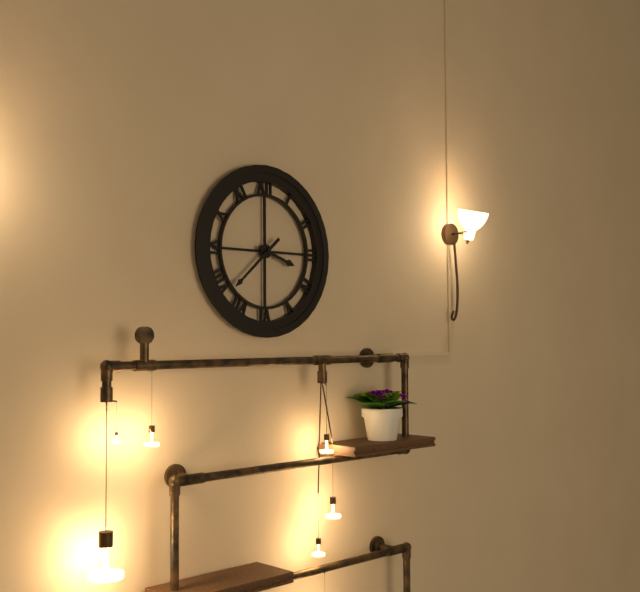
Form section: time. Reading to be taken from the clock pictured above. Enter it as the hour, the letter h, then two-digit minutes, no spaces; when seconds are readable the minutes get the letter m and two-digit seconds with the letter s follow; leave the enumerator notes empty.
3h38
